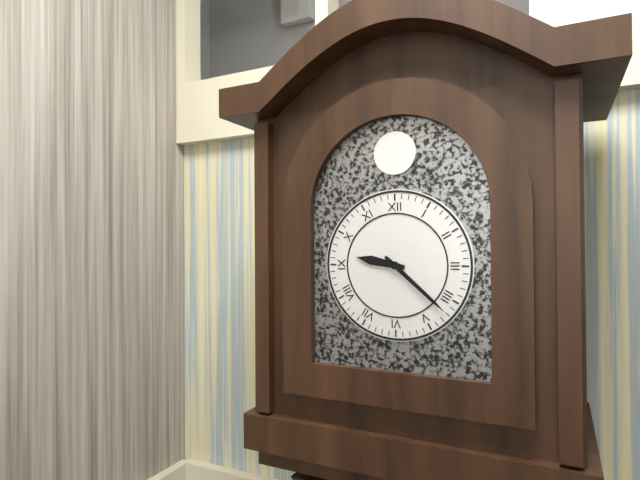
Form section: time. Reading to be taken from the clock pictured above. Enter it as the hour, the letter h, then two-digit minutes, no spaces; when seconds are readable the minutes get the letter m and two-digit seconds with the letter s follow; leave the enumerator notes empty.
9h22
